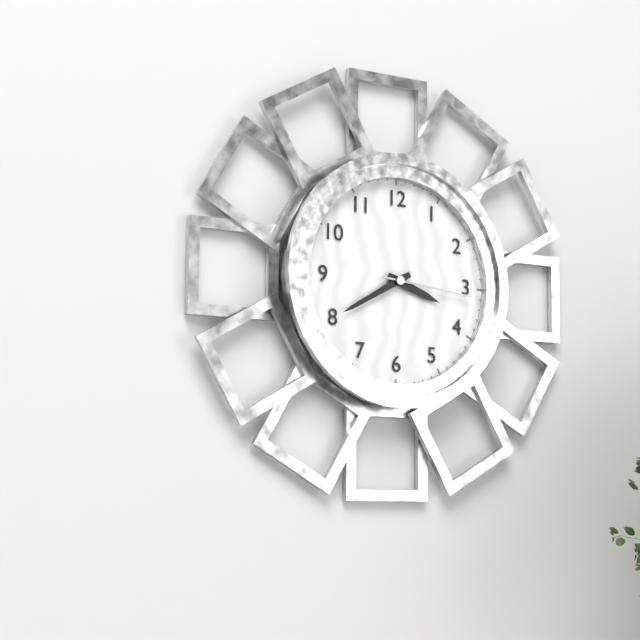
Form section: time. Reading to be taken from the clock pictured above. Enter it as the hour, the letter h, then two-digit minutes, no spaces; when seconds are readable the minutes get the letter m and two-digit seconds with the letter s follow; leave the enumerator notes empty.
3h40m16s
